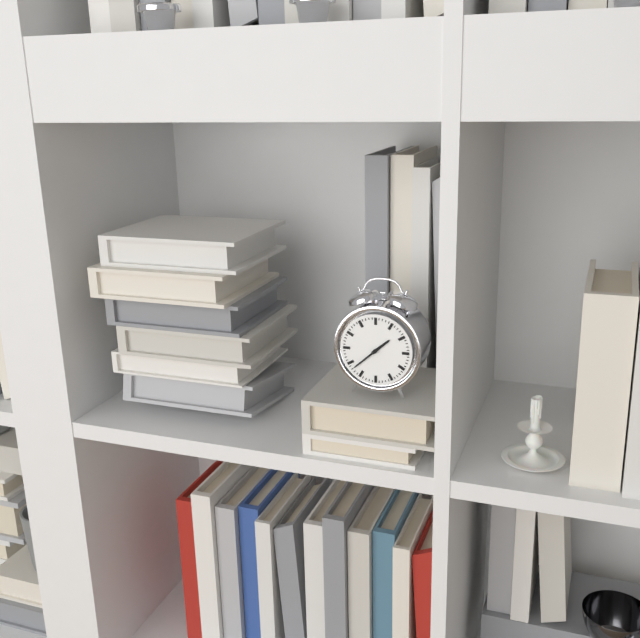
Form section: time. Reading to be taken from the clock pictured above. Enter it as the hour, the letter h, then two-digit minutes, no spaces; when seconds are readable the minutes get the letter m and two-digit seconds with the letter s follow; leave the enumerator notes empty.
1h38
